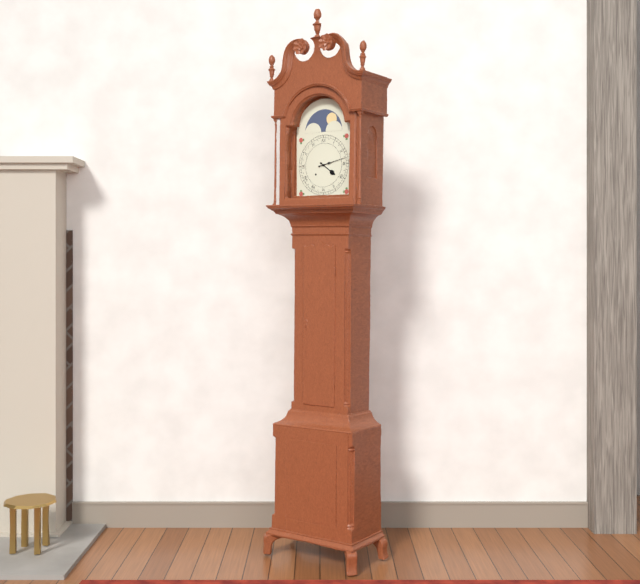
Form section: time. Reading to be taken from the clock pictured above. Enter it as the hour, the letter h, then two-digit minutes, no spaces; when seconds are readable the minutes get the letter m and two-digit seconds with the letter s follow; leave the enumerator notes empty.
4h13
